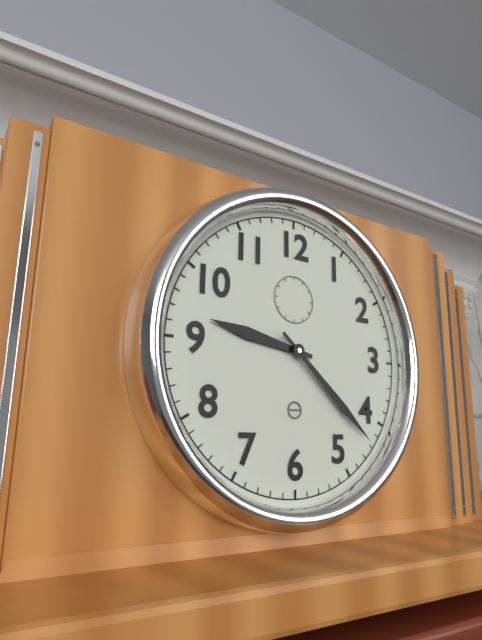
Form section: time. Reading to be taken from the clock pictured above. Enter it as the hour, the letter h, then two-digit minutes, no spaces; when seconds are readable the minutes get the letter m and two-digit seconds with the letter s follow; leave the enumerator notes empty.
9h22
